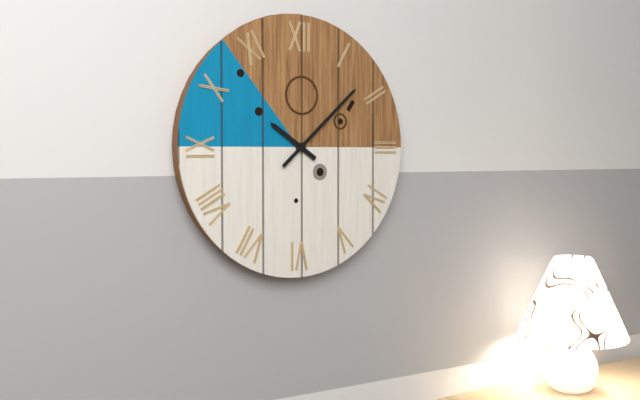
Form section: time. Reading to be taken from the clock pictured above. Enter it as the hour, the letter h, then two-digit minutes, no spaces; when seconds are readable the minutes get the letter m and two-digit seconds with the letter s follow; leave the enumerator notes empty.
10h08
